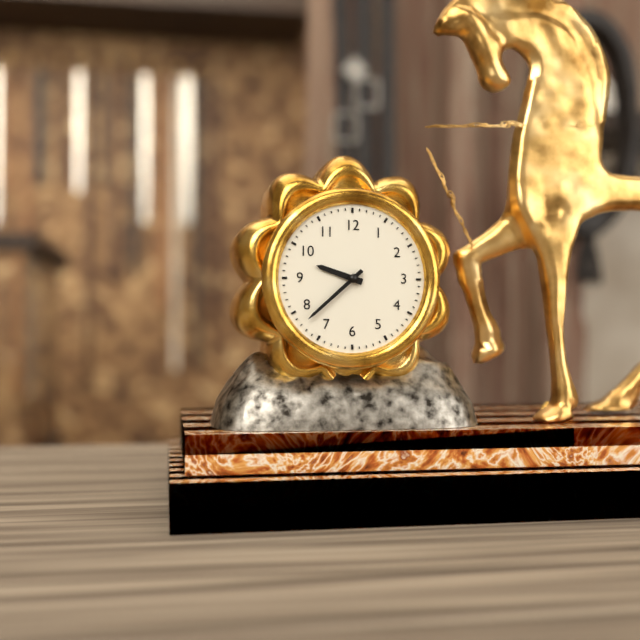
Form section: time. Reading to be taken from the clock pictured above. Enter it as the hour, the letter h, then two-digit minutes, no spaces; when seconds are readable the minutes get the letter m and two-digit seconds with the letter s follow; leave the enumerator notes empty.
9h38
